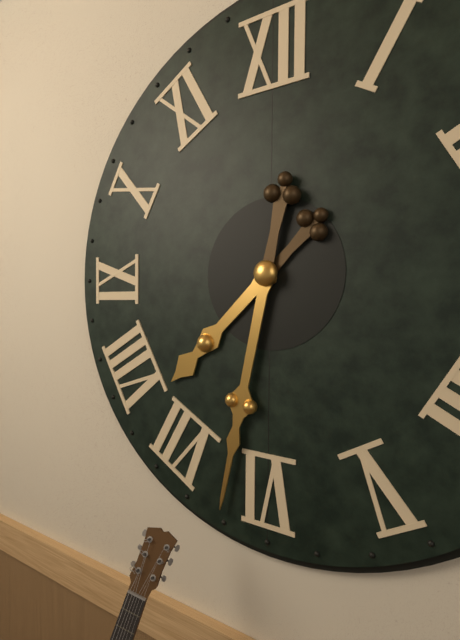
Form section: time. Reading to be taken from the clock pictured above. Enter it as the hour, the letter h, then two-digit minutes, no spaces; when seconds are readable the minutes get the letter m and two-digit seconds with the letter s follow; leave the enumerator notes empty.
7h32
